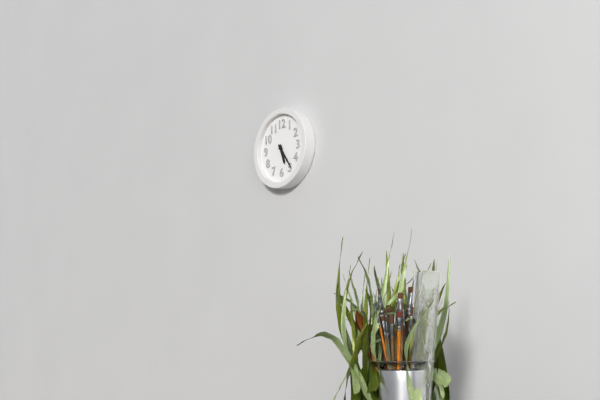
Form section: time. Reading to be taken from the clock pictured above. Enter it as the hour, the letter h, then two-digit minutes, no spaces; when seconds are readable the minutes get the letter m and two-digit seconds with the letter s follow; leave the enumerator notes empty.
5h24
